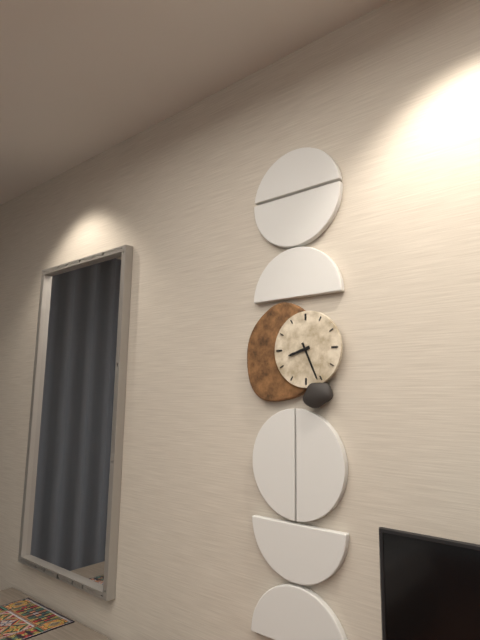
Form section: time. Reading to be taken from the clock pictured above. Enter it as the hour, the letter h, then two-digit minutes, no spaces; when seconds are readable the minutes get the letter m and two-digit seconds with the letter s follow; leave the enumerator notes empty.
8h26
